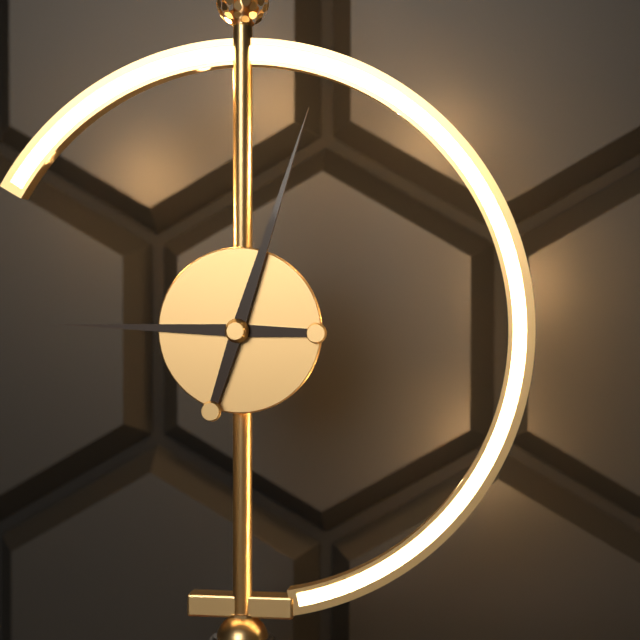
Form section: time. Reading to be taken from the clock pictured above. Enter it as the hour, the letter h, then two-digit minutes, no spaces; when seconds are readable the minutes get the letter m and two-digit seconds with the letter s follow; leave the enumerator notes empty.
9h03
